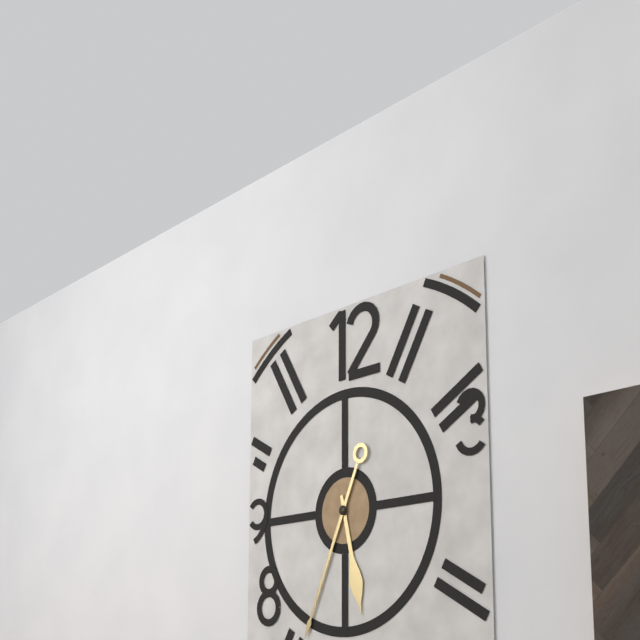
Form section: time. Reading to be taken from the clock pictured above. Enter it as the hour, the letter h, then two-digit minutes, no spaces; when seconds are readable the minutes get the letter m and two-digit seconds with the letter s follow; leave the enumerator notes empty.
5h34
